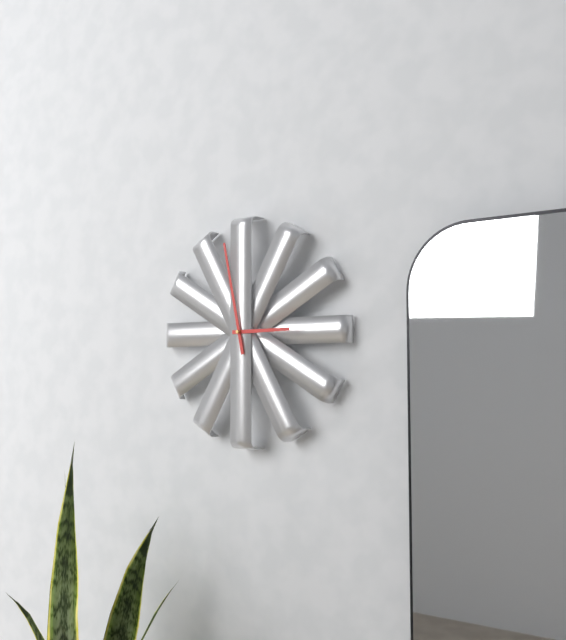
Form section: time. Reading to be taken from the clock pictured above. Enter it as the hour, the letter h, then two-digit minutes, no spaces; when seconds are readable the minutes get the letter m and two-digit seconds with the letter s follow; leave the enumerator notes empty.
2h58
